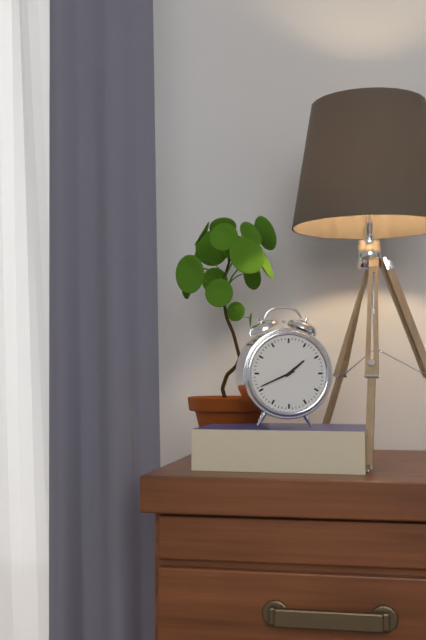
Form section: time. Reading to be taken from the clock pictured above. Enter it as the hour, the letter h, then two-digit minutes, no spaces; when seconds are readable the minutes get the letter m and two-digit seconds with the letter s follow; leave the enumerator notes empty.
1h41
